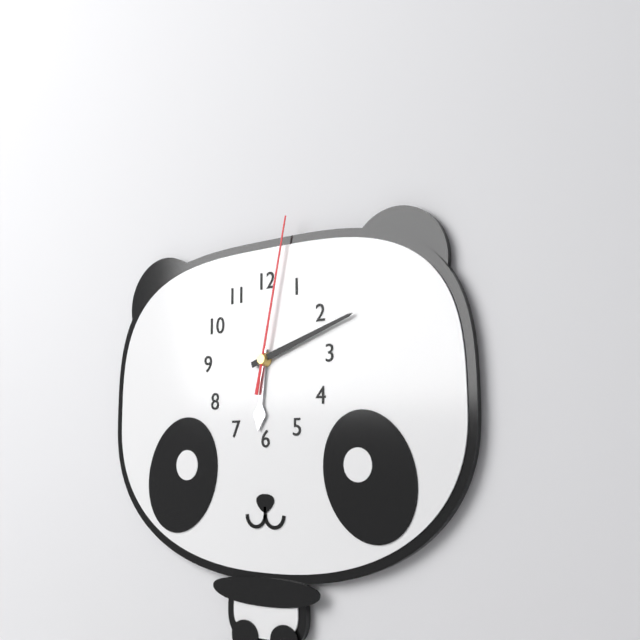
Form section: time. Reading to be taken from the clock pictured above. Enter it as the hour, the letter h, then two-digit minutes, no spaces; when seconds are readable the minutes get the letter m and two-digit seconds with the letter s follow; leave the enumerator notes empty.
6h12m02s
